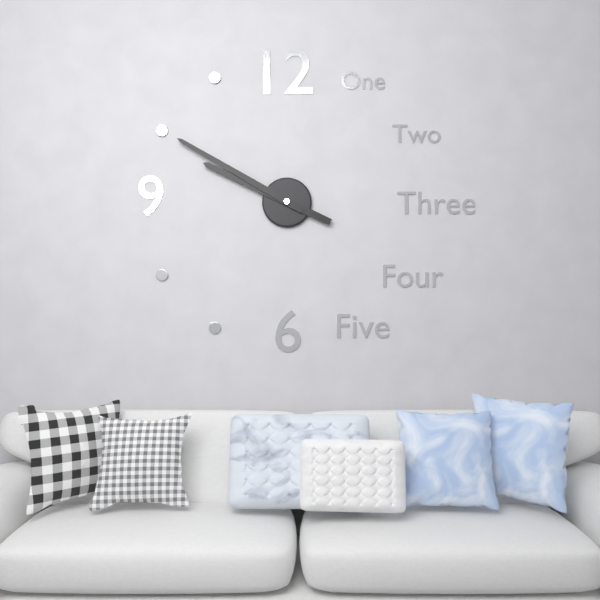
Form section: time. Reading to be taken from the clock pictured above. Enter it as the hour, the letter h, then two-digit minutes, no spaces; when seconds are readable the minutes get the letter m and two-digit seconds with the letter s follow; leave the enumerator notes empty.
9h50
